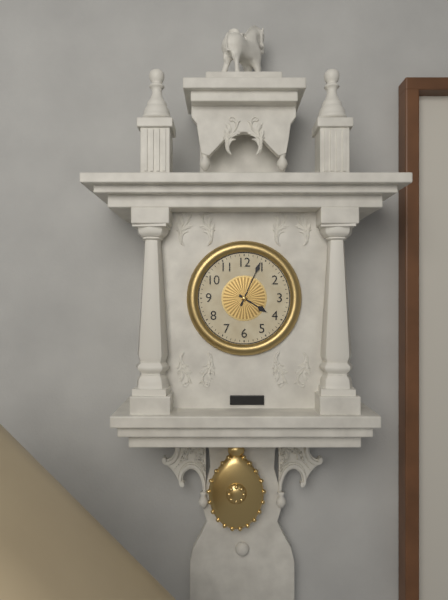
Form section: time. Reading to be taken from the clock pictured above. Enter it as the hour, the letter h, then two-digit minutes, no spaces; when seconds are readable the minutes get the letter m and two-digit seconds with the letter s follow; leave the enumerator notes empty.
4h04
